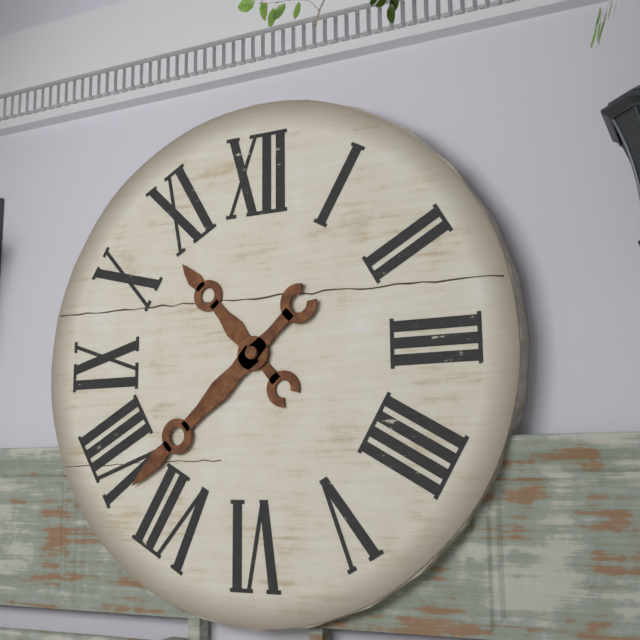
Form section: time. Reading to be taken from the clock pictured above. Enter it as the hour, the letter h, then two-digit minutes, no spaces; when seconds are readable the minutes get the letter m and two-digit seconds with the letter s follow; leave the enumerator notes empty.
10h38
